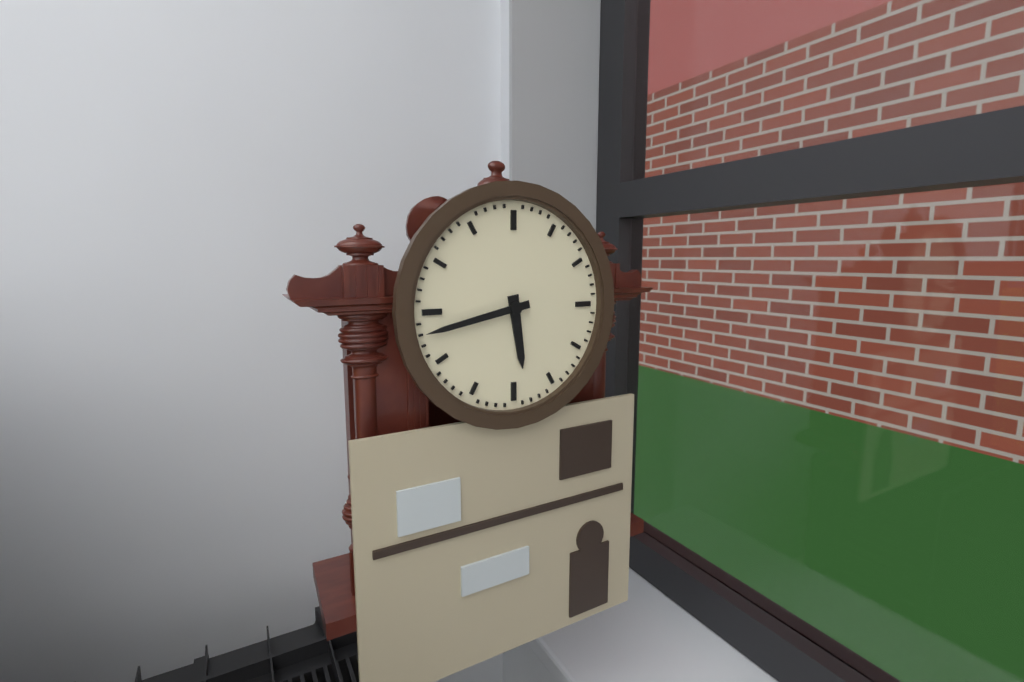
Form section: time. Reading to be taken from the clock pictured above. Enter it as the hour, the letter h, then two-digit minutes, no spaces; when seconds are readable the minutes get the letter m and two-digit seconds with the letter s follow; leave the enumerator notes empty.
5h43
